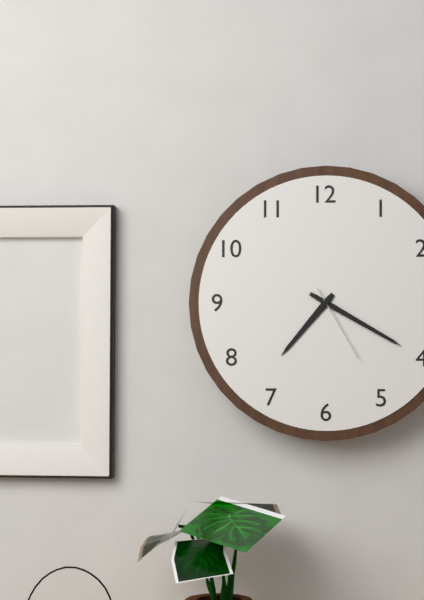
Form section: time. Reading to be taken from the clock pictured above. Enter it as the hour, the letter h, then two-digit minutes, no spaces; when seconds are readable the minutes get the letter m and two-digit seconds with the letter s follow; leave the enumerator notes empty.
7h20m25s
